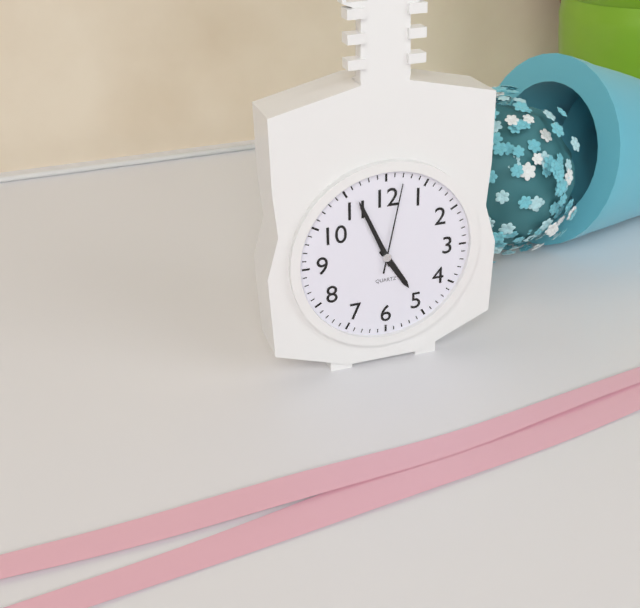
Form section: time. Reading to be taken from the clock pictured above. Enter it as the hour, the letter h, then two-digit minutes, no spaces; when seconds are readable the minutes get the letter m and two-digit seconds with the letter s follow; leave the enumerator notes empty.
4h56m02s
